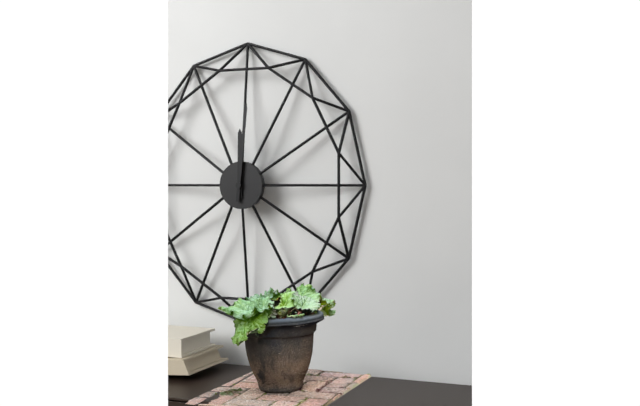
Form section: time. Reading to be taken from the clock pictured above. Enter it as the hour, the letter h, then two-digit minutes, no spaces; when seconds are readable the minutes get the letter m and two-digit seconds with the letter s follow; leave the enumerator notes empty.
12h01
